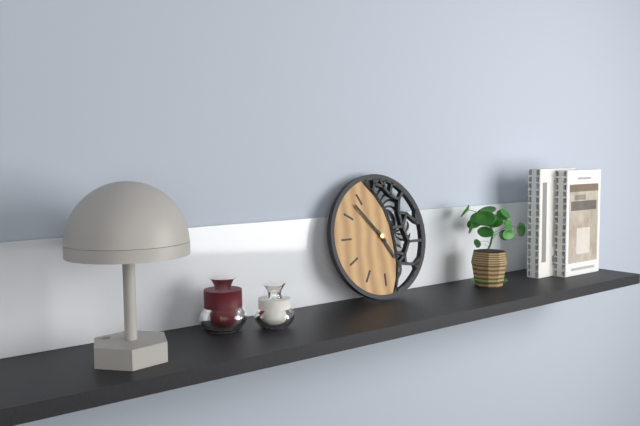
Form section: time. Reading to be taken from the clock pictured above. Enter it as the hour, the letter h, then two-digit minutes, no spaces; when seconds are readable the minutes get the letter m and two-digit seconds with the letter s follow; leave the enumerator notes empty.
4h53
